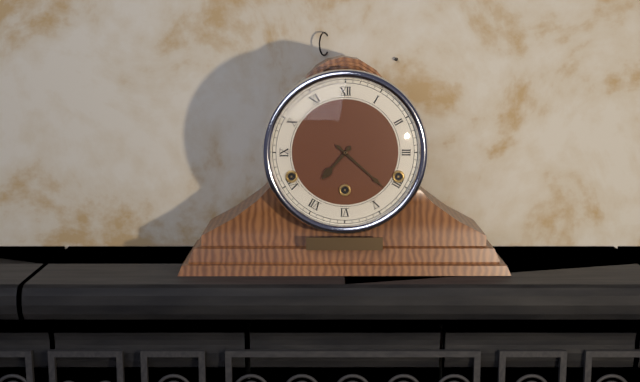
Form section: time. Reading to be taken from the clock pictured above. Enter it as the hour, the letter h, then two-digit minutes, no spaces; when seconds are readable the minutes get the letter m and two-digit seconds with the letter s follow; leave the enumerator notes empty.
7h22
